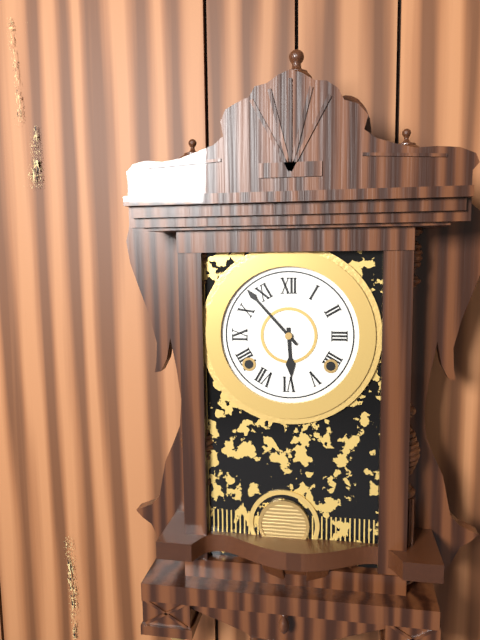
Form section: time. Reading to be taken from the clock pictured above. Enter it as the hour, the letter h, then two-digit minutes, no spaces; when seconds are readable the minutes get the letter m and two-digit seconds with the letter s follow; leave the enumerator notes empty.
5h53
